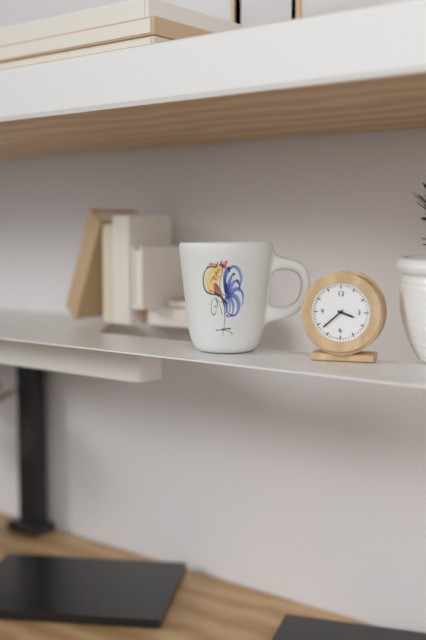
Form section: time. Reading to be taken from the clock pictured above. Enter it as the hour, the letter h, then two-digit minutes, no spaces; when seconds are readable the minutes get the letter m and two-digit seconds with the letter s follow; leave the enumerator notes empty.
3h38
